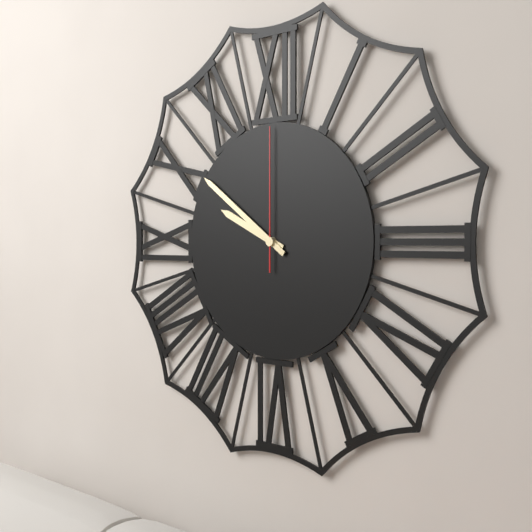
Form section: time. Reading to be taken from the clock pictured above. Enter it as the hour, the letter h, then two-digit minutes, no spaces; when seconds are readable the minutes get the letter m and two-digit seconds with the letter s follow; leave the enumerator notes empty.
9h51m00s
